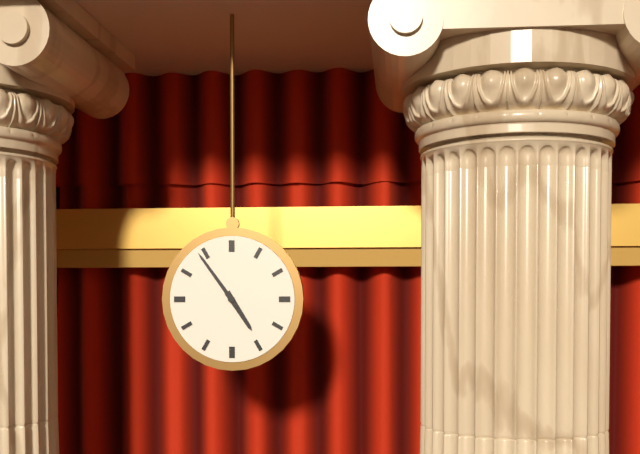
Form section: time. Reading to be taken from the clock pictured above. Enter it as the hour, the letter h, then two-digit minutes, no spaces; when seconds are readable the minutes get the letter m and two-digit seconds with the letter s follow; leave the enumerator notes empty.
4h54
